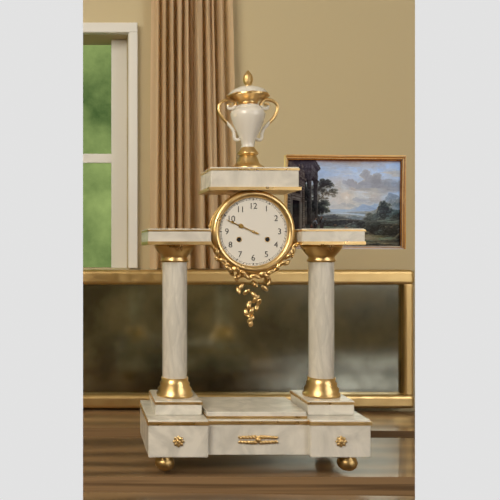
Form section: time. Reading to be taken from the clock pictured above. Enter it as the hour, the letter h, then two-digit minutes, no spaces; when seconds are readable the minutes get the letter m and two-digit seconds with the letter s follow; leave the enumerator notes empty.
9h49
